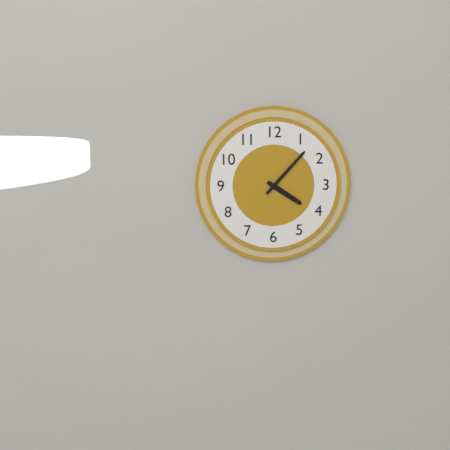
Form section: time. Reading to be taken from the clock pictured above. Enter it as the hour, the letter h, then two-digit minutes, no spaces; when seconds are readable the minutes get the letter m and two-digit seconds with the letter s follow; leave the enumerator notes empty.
4h07
